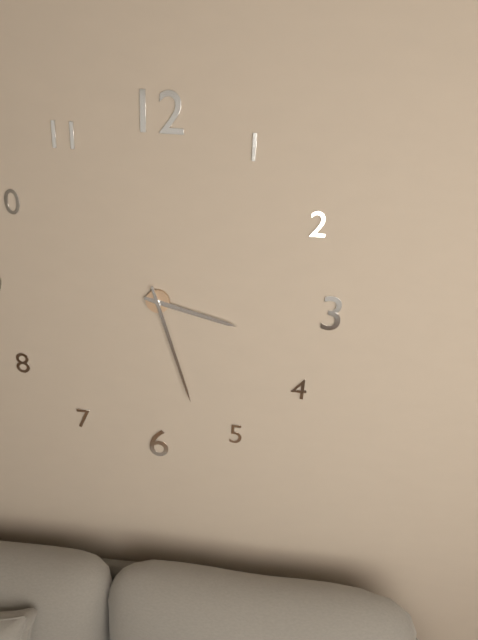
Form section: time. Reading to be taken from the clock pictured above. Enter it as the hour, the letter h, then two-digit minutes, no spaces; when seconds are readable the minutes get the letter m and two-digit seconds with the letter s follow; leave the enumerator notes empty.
3h27
